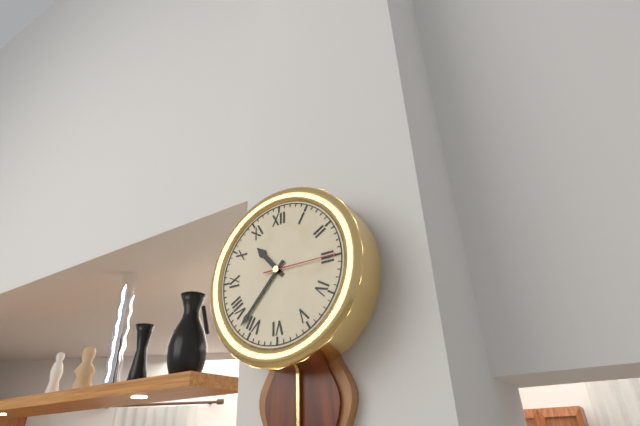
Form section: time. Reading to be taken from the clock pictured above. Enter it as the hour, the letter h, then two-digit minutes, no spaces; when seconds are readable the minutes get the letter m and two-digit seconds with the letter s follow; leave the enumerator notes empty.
10h37m15s
